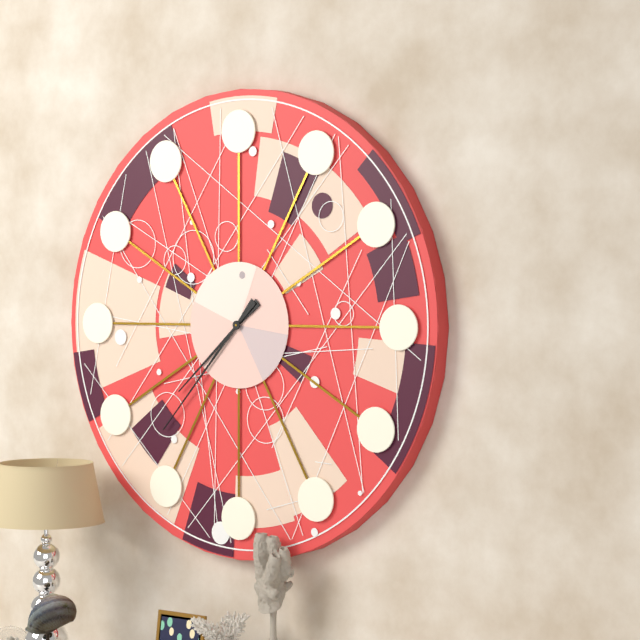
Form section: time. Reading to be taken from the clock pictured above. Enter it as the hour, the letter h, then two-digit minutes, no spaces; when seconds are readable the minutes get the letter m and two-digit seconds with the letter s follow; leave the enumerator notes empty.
7h37
